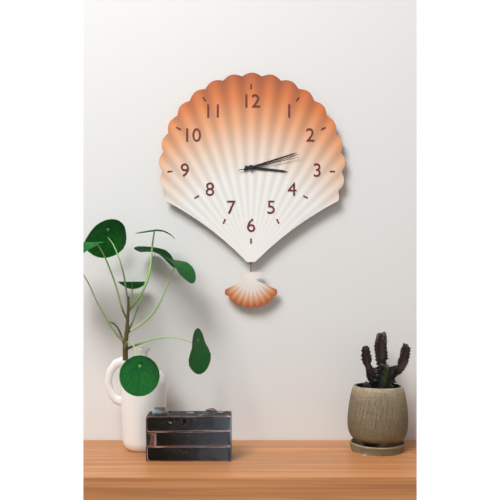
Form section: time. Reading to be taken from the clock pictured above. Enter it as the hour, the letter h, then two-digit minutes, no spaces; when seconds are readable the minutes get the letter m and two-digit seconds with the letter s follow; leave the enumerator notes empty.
3h12m13s
